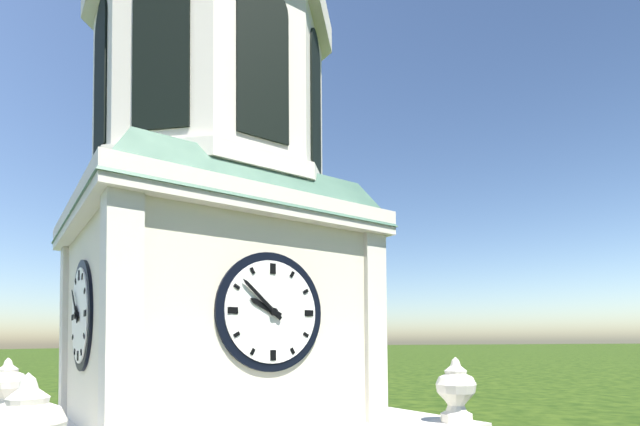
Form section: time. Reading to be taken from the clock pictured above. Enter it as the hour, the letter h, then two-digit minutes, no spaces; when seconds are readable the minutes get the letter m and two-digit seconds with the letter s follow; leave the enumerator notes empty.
9h52
